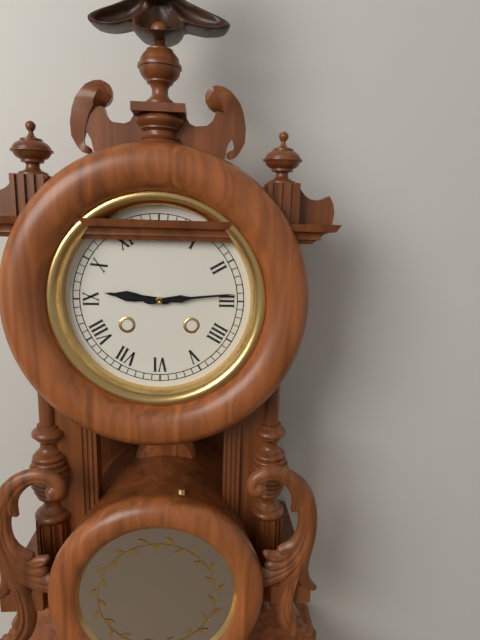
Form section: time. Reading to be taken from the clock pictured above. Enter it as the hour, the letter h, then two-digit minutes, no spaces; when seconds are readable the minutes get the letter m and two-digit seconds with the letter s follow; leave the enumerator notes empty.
9h14
